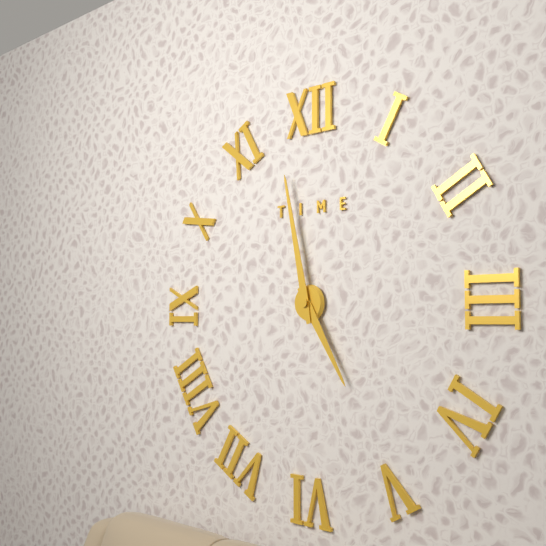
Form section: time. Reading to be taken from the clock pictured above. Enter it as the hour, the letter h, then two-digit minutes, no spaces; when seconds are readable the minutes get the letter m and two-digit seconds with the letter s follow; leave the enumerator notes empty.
4h58
